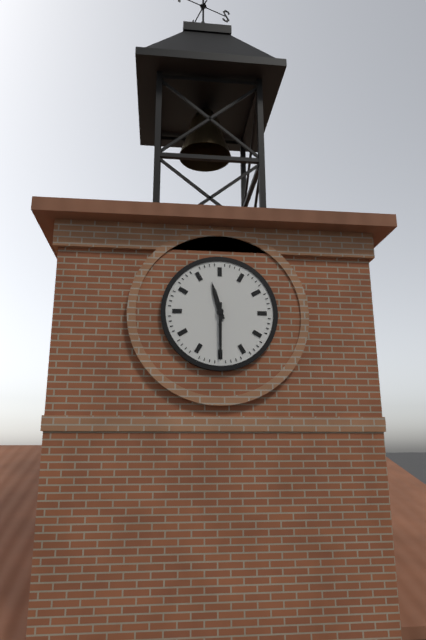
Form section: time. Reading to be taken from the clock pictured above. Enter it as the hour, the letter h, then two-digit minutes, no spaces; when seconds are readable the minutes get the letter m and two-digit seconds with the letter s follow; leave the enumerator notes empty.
11h30
